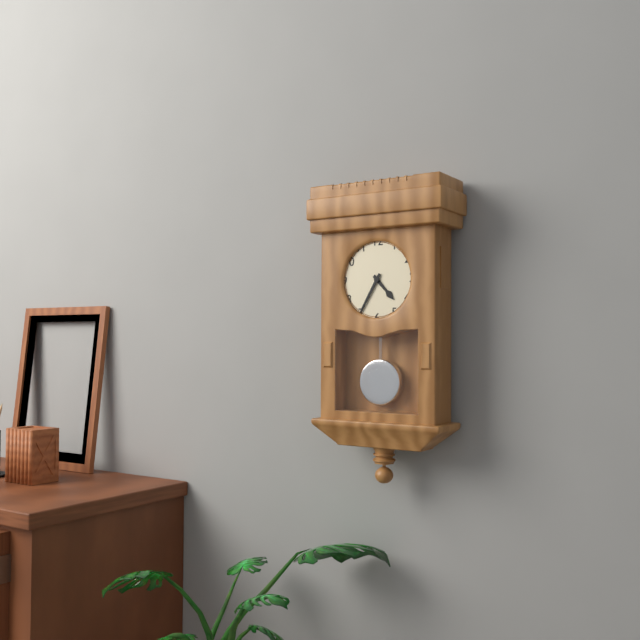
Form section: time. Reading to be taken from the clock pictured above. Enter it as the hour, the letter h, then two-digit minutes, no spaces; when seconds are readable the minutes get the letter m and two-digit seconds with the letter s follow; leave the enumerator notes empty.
4h35
